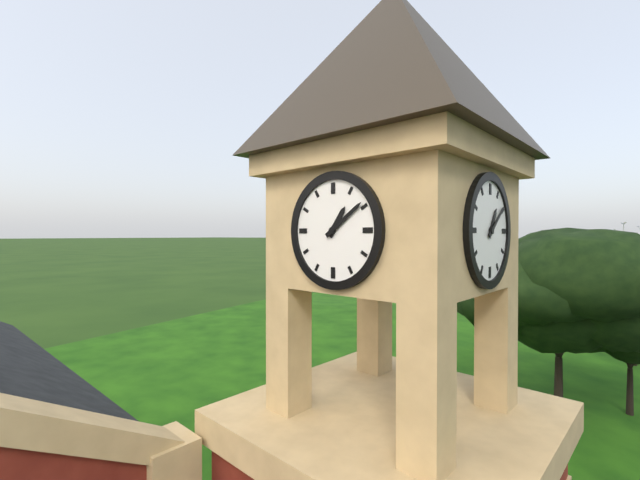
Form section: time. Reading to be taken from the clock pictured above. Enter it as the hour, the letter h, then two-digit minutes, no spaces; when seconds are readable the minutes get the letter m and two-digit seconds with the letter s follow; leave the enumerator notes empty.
1h09
